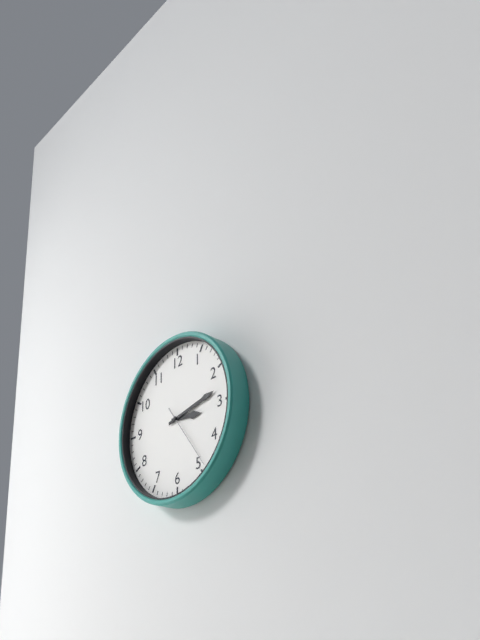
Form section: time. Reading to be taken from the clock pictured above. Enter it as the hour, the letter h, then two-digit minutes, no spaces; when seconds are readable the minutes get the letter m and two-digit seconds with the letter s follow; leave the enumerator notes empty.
3h13m24s
